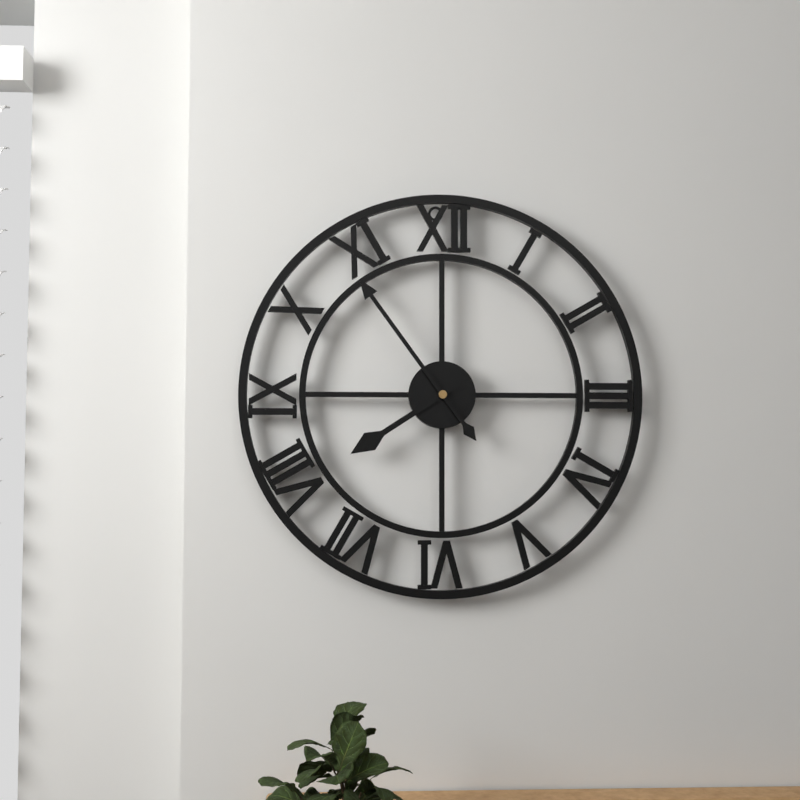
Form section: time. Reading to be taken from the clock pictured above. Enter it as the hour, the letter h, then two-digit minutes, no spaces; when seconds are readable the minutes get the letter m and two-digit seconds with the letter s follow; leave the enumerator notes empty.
7h54
